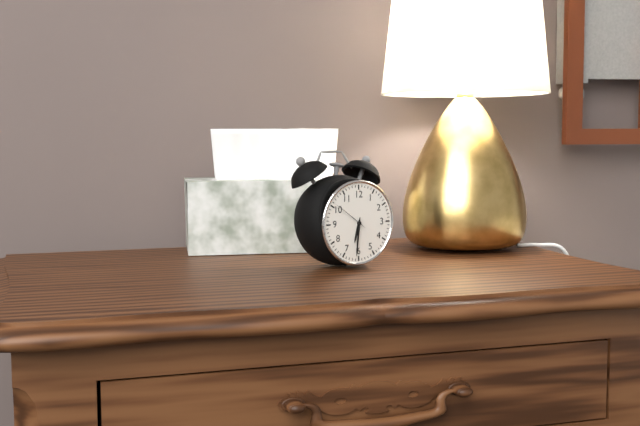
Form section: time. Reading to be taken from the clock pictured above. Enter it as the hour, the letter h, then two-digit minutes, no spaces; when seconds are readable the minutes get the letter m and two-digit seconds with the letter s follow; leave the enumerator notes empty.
6h31
